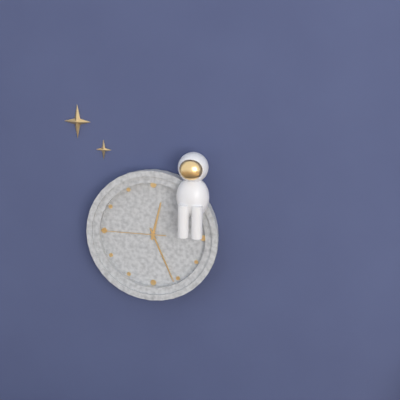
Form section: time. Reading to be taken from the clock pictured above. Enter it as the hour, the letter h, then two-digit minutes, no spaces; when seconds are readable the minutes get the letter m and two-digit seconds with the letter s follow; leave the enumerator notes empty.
12h26m45s
